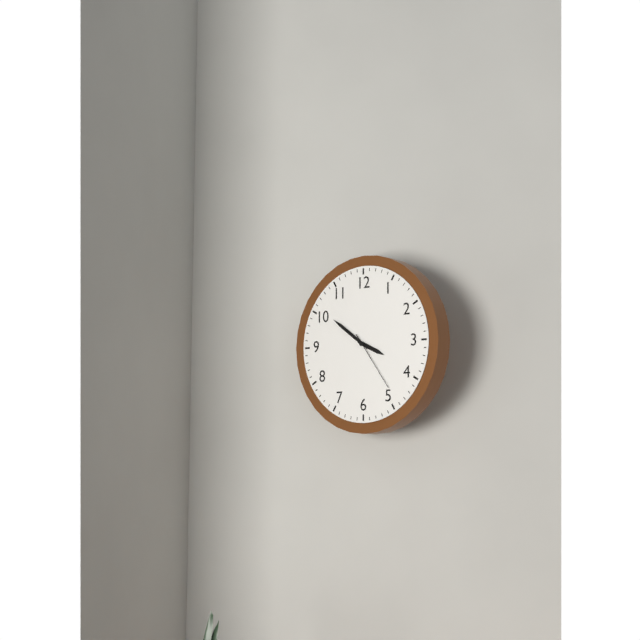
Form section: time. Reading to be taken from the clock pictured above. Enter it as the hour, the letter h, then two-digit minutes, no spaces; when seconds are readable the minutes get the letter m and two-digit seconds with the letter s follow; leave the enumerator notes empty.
3h51m24s
